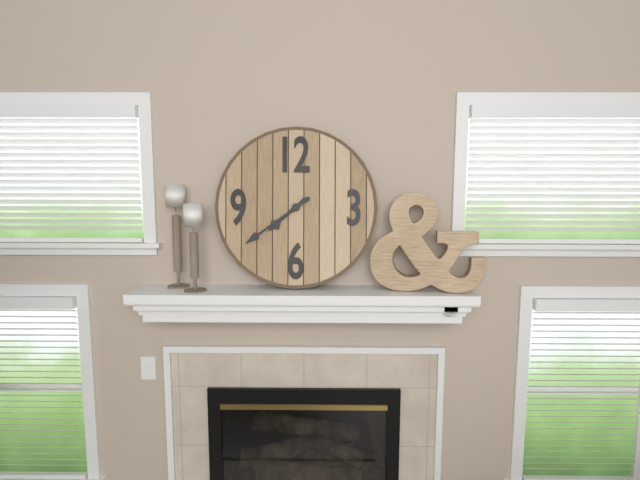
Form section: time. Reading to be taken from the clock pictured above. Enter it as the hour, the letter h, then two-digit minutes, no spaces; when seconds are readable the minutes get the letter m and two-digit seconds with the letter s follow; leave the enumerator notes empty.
7h39
